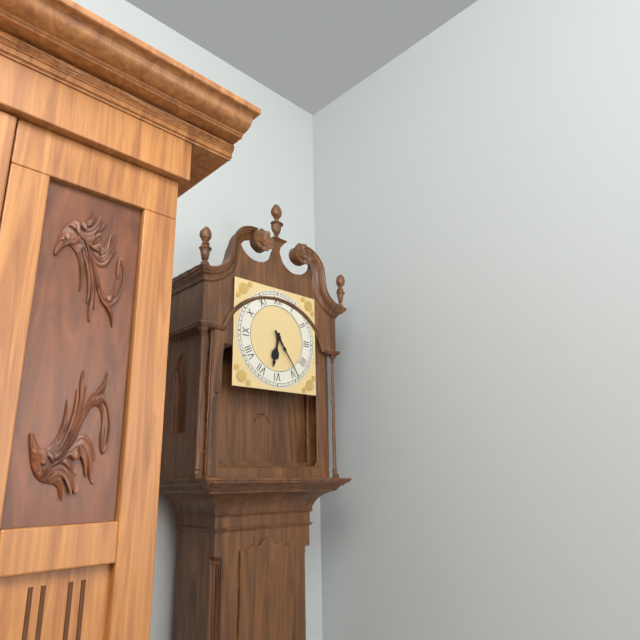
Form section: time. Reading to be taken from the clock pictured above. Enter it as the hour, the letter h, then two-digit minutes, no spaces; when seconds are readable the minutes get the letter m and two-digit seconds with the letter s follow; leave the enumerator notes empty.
6h24
